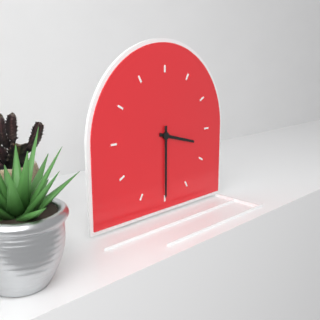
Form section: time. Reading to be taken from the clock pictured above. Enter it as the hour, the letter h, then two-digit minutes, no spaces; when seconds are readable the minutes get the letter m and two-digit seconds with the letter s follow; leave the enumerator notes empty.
3h30
